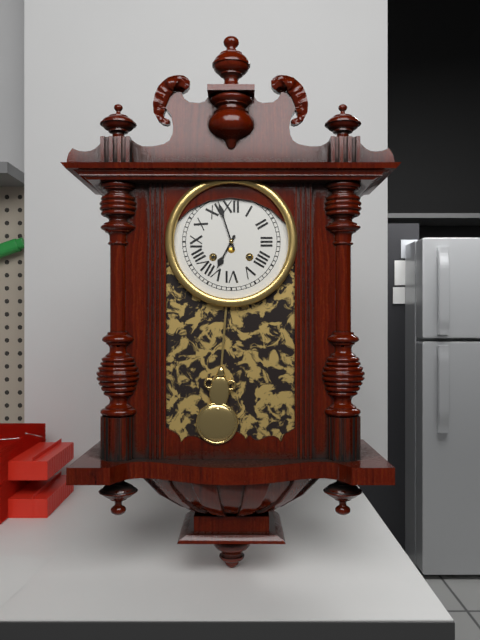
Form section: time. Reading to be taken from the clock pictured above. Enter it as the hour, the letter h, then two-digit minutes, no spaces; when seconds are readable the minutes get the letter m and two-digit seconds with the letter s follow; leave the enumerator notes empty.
6h57
